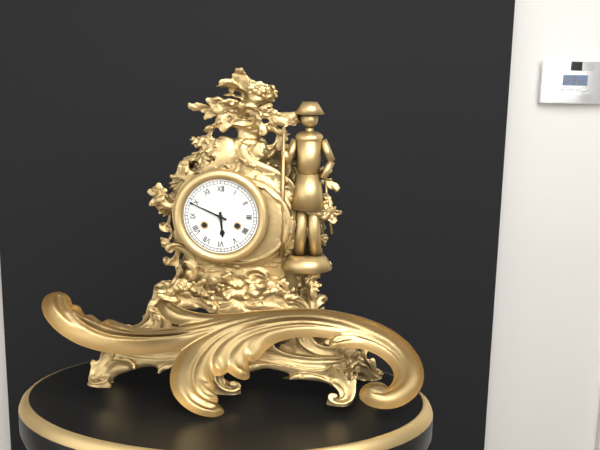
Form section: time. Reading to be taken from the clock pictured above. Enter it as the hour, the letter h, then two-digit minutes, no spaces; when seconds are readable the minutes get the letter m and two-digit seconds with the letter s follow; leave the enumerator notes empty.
5h49
